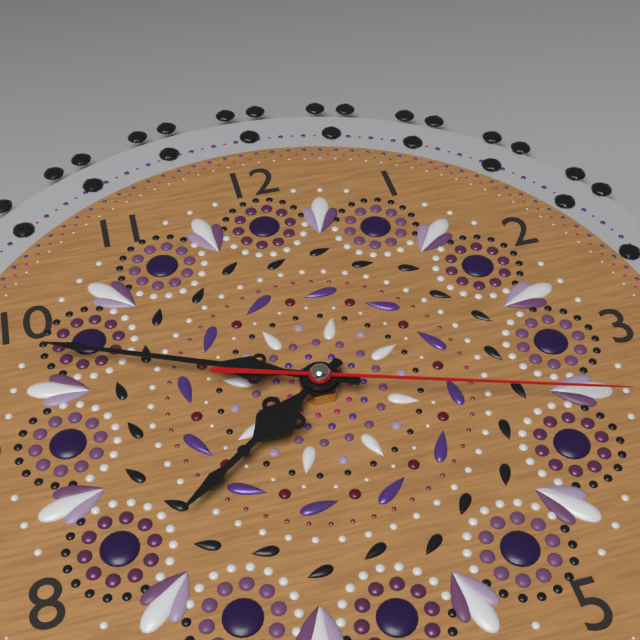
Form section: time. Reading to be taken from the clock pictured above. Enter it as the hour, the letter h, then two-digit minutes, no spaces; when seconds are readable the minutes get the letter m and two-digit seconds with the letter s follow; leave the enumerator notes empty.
7h49m18s
